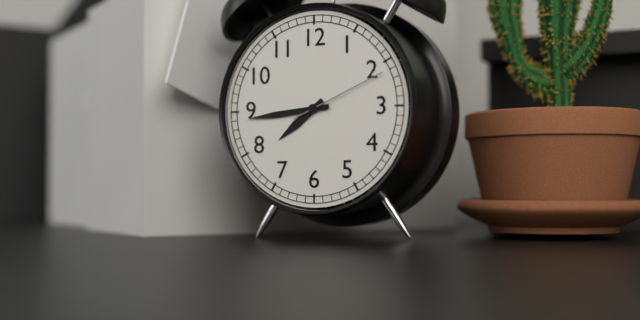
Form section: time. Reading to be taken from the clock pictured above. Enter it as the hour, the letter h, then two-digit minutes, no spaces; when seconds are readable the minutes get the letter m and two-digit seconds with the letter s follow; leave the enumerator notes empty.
7h44m11s
